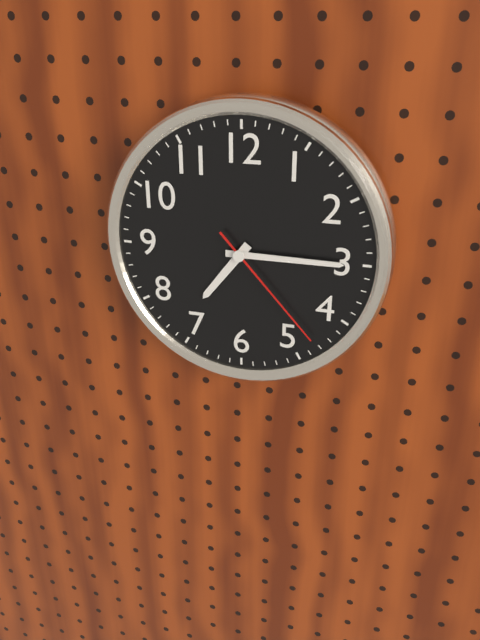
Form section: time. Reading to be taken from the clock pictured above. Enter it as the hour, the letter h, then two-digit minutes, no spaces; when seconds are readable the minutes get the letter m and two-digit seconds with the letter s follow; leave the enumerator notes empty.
7h15m23s
